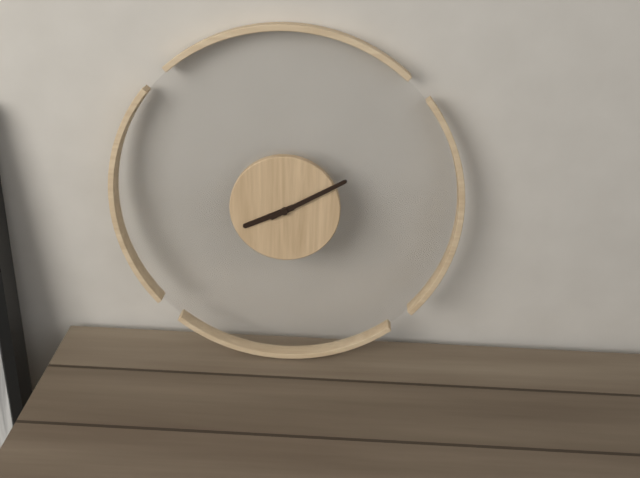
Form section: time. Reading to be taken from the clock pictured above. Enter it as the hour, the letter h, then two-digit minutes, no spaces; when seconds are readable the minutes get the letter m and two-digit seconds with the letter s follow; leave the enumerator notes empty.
8h10
